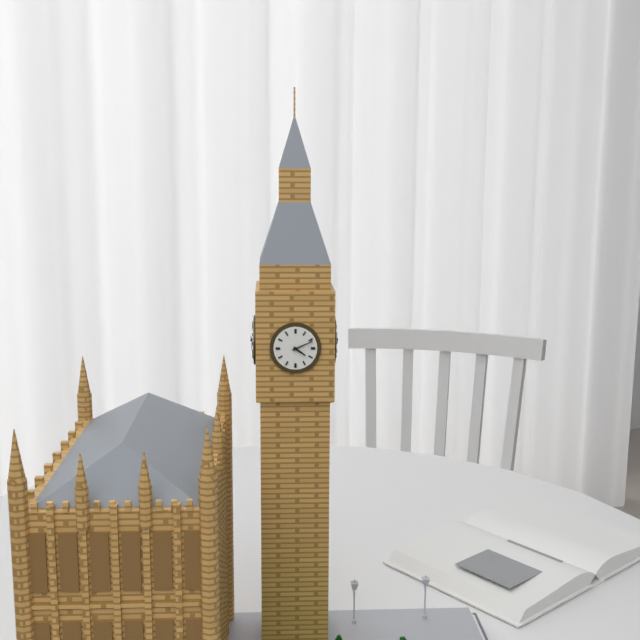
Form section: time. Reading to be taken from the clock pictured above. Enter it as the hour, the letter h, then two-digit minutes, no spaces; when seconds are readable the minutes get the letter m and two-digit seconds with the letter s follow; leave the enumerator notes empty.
4h11
